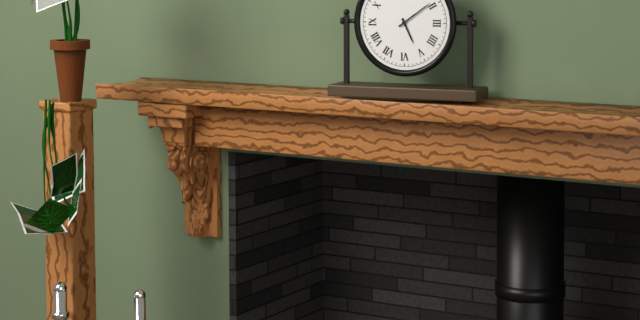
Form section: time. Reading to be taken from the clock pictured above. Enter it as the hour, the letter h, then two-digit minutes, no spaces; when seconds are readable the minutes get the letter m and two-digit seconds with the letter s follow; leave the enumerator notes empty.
5h09
